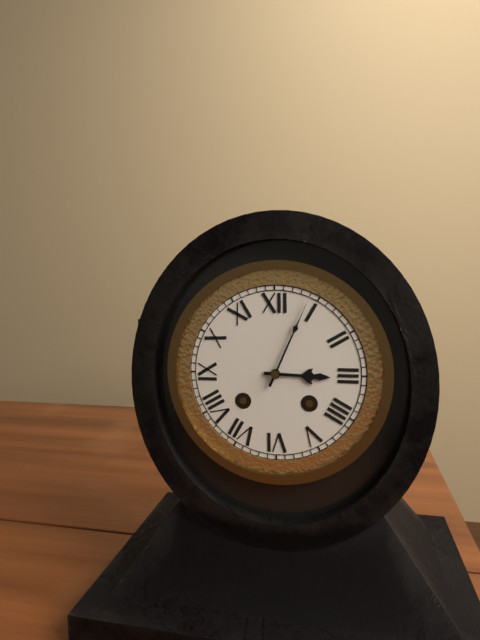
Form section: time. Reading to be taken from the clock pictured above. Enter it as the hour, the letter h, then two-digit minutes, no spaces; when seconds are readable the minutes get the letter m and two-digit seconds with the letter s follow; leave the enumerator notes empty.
3h04
